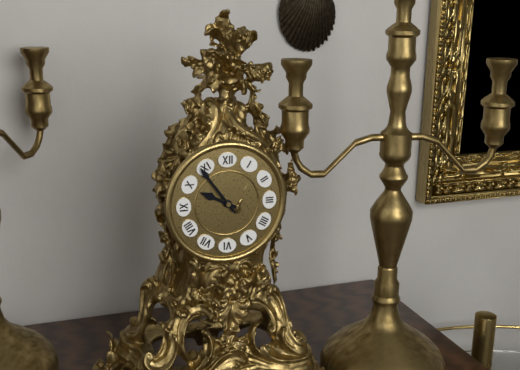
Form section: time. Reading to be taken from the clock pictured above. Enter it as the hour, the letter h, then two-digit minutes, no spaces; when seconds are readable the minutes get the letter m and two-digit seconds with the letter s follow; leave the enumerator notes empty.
9h54
